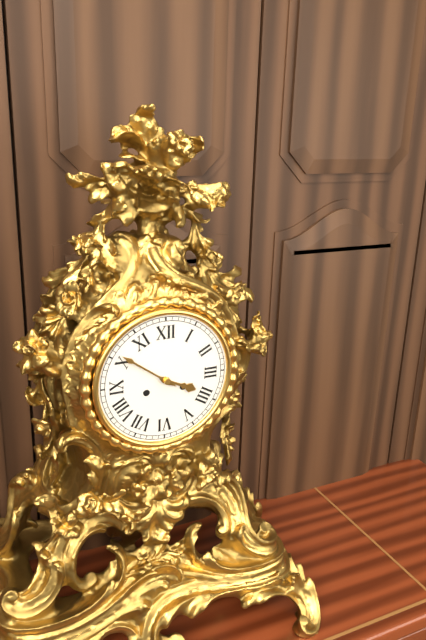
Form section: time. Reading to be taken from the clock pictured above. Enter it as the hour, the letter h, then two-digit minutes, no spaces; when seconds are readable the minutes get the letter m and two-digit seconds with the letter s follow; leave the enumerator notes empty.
3h51
